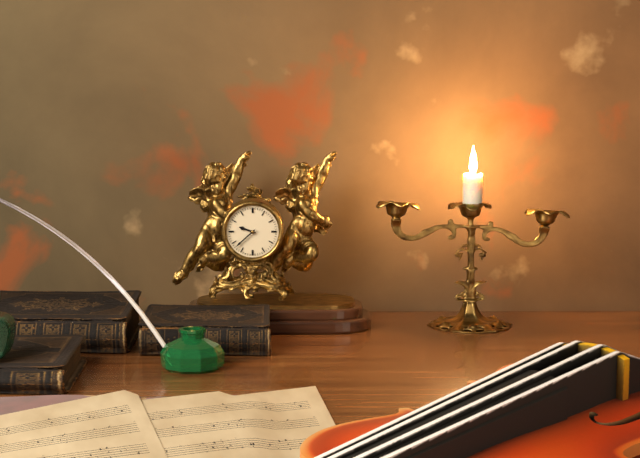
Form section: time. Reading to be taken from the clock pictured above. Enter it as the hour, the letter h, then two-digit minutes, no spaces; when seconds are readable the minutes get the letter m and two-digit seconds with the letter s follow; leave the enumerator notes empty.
9h38
